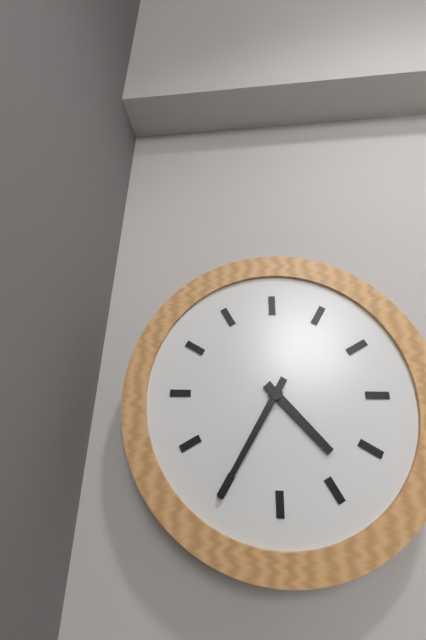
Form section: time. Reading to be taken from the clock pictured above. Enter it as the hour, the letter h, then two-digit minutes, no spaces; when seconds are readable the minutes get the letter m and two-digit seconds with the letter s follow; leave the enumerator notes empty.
4h35
